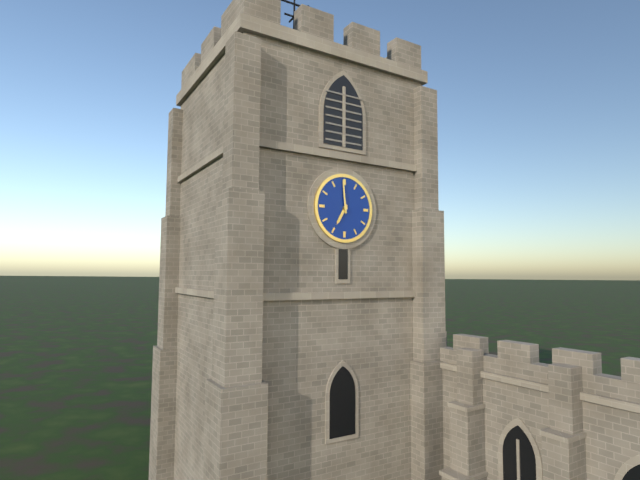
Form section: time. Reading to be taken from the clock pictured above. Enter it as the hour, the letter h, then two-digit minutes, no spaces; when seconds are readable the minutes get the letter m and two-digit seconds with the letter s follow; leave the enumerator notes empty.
6h59
